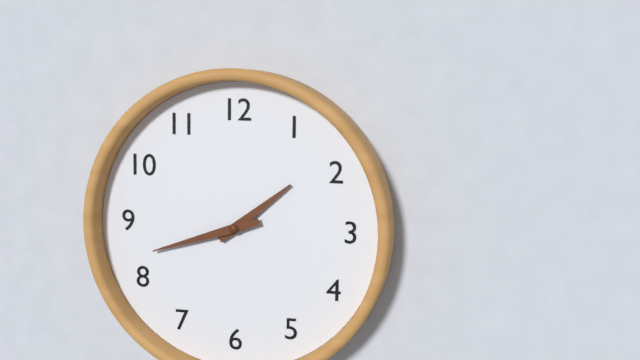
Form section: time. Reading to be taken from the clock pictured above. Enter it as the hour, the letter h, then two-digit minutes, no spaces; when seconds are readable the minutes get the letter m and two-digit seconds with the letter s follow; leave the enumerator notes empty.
1h42
